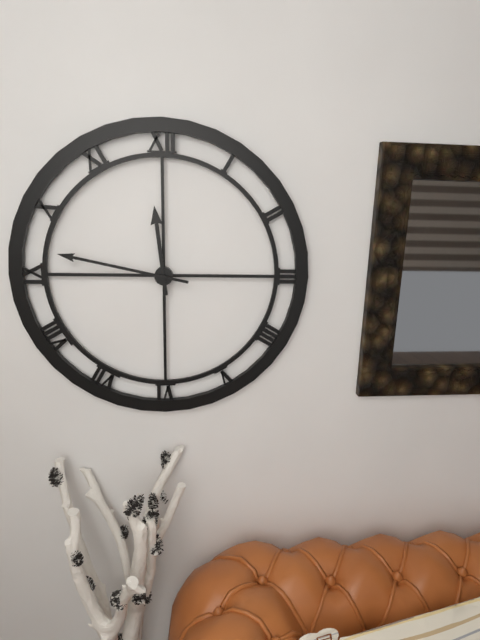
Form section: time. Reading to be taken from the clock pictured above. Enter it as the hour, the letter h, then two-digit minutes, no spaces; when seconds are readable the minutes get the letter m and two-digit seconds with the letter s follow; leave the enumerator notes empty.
11h47
